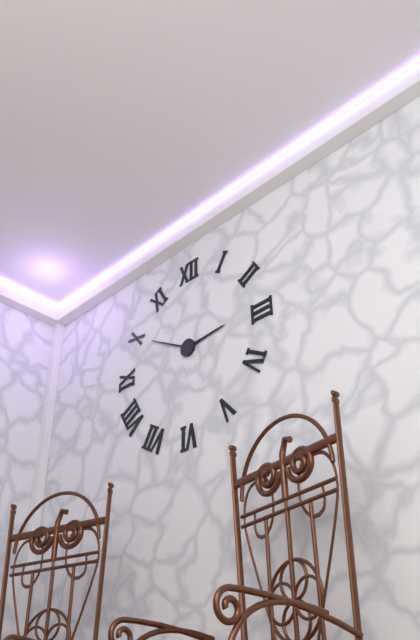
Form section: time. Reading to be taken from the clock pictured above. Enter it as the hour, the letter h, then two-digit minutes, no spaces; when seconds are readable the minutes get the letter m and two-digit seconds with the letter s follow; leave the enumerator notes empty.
2h50
